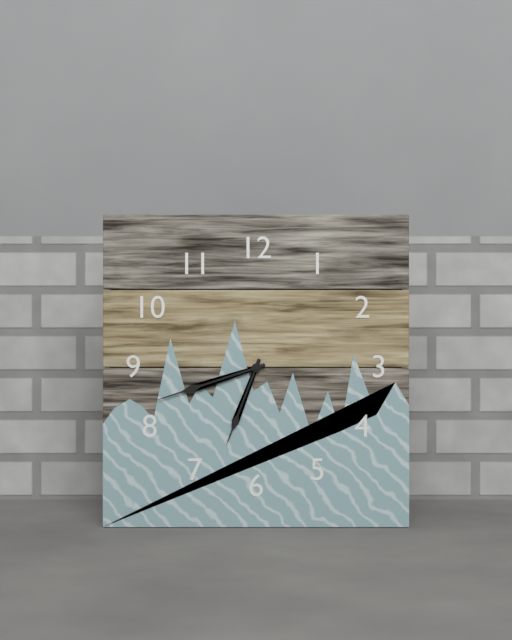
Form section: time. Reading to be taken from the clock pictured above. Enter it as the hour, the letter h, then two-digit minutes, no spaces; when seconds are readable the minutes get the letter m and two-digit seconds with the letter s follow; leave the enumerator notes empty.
6h42
